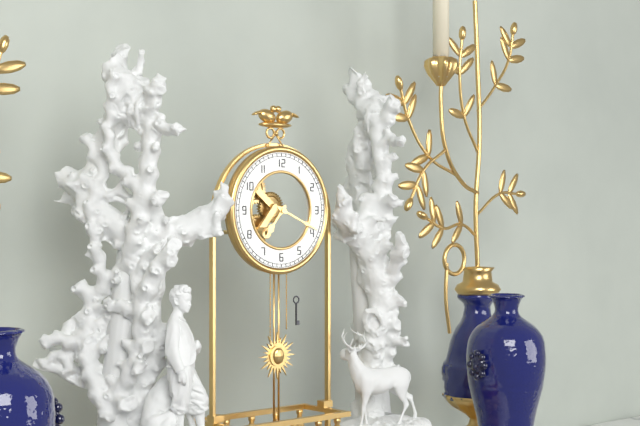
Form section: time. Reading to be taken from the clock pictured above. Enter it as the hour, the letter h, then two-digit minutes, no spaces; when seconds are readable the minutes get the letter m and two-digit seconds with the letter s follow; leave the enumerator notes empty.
7h19
